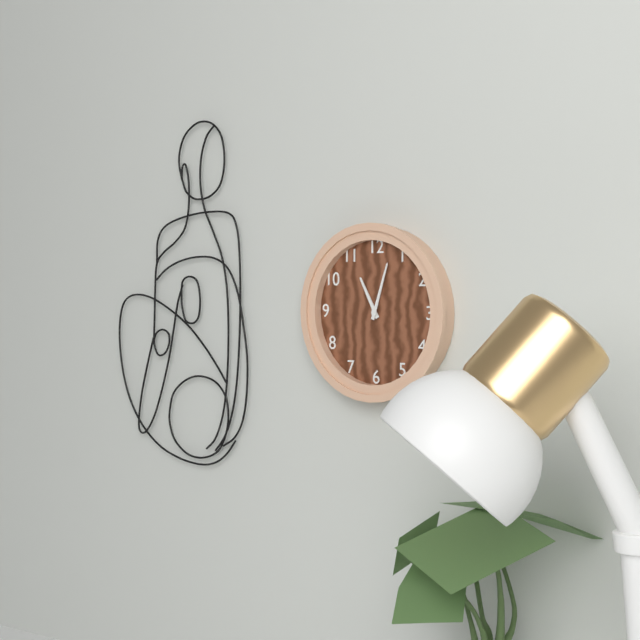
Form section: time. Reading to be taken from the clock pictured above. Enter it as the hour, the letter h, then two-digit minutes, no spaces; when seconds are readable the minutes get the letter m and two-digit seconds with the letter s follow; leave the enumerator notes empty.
11h03
